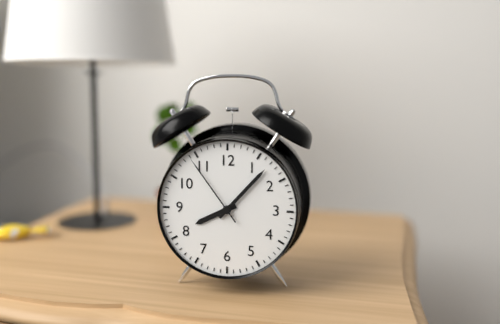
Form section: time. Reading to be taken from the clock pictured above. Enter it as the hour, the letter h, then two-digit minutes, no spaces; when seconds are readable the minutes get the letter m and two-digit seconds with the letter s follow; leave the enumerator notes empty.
8h07m54s
